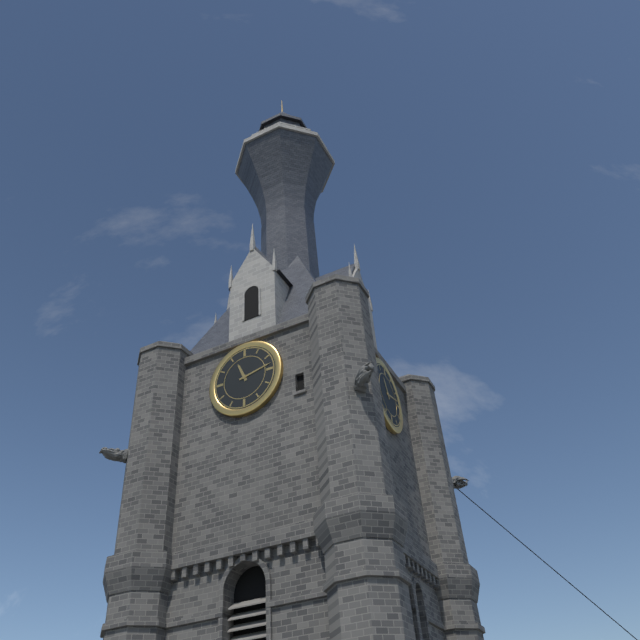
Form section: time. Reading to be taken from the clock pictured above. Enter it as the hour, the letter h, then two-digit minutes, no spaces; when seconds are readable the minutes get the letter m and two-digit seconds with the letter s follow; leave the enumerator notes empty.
11h13
